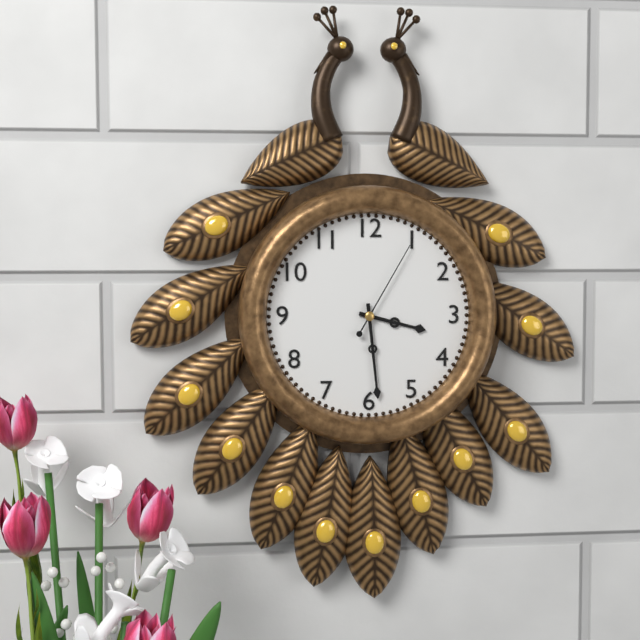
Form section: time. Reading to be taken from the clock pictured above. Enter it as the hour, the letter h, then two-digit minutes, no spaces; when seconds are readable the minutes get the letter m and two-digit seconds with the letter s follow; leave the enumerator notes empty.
3h29m05s
